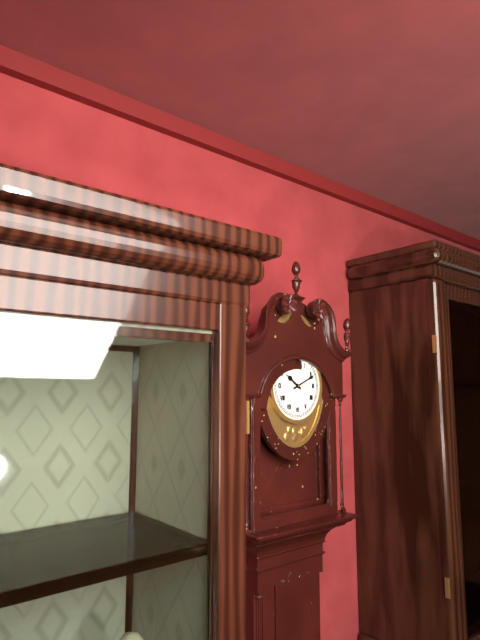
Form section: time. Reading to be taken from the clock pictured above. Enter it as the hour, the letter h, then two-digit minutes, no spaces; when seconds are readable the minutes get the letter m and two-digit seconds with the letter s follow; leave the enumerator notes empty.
10h11
